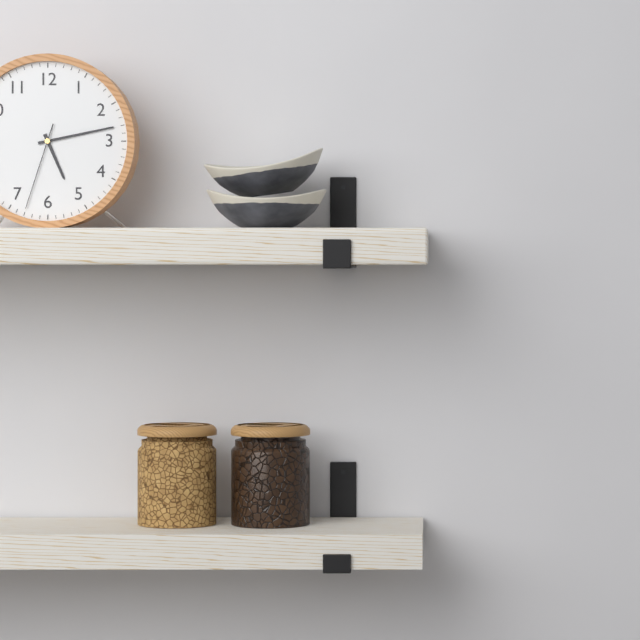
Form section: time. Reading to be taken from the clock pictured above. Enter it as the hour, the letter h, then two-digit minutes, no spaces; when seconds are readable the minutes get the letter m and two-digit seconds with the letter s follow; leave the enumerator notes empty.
5h13m33s
